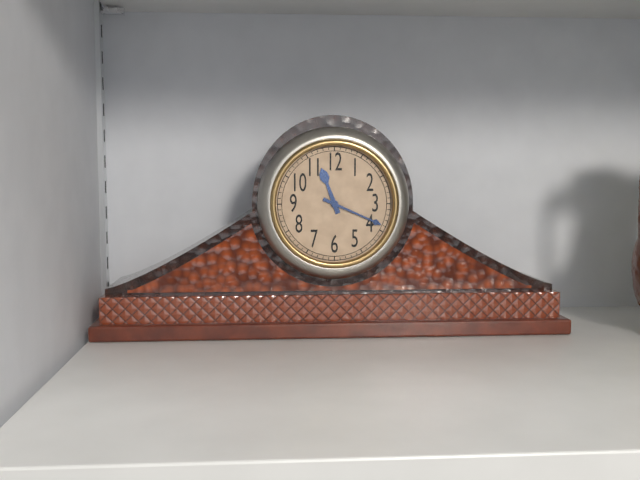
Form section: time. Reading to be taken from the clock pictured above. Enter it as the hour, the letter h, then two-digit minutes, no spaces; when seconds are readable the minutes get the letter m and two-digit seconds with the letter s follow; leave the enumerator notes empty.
11h19
